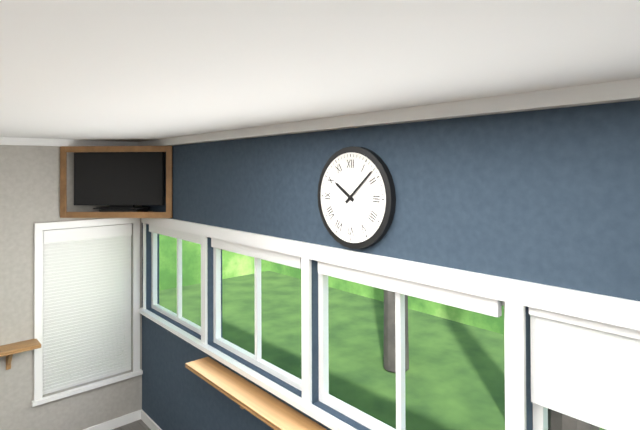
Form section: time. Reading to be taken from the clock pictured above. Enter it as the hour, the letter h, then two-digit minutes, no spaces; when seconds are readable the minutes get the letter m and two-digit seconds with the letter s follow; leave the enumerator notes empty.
10h08
